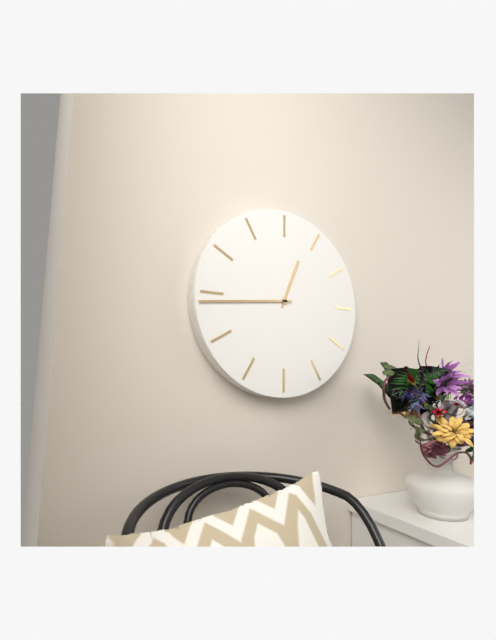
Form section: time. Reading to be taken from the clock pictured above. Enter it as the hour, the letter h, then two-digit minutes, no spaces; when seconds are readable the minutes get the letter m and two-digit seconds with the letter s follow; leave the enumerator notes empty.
12h44
